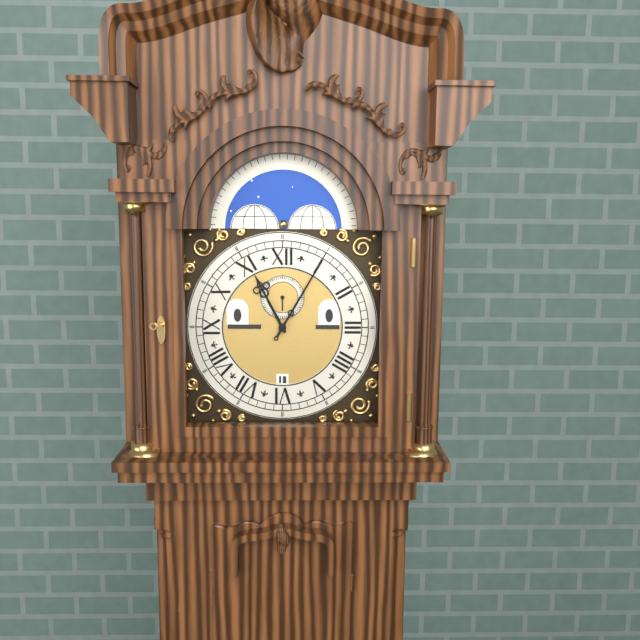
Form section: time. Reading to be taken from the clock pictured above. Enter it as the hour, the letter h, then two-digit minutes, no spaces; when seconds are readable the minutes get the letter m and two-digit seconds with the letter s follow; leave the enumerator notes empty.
11h05
